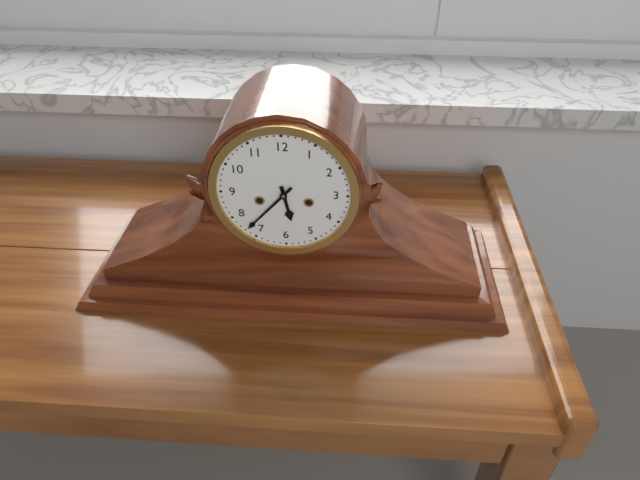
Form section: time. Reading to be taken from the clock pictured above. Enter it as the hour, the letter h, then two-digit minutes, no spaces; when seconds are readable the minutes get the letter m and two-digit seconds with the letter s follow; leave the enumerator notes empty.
5h37
